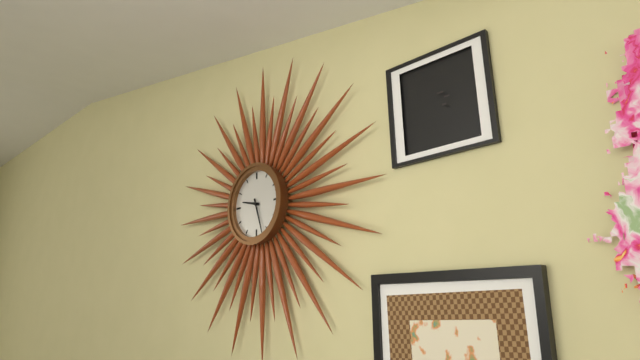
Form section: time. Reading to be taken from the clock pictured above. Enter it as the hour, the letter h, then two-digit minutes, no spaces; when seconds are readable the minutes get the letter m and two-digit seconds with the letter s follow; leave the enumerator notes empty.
9h27
